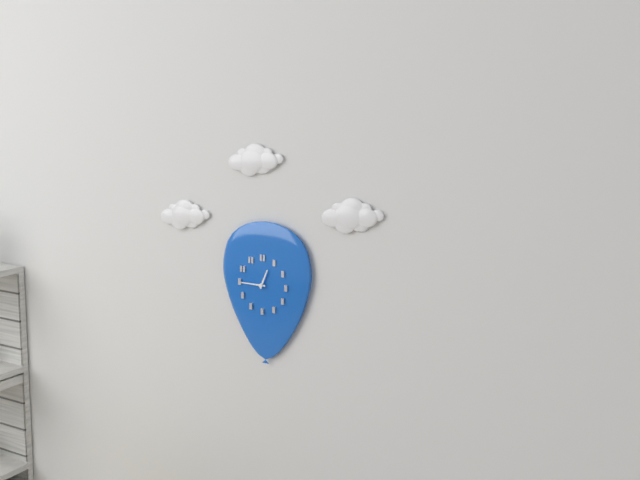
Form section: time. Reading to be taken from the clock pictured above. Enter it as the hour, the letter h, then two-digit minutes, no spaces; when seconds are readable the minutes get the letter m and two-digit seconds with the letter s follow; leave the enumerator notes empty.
12h45
